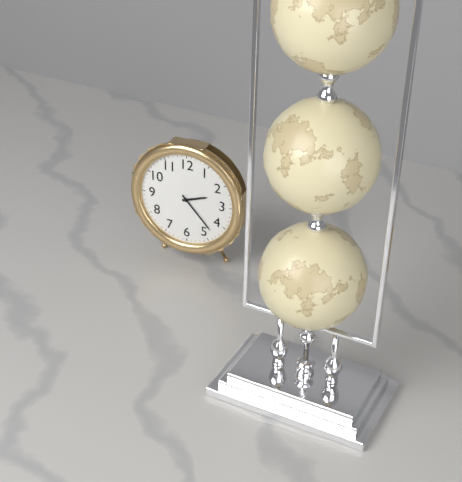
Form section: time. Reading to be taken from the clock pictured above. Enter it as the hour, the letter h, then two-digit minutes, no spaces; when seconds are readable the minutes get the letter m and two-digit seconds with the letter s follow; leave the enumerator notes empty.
2h23
